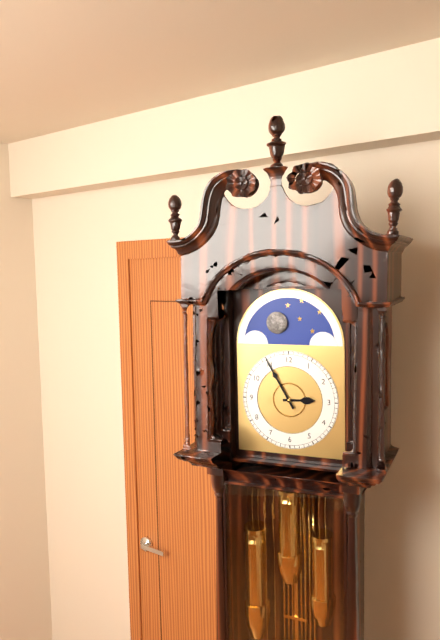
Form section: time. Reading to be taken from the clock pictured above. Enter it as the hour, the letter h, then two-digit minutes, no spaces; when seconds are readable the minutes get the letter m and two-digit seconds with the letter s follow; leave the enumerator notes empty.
2h55
